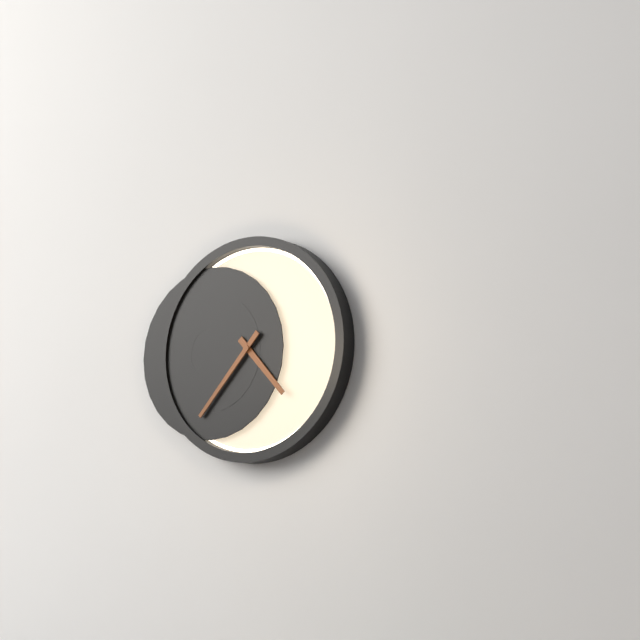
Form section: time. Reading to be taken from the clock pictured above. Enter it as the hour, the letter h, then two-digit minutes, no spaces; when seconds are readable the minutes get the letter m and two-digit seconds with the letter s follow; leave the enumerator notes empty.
4h37
